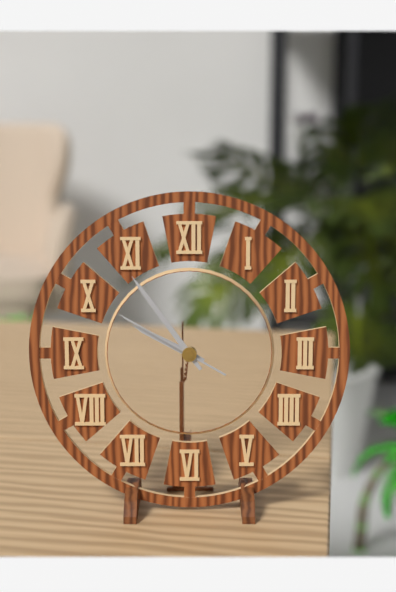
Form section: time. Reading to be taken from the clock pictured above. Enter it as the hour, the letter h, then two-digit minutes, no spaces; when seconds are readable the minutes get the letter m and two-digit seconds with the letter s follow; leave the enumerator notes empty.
9h54m50s
